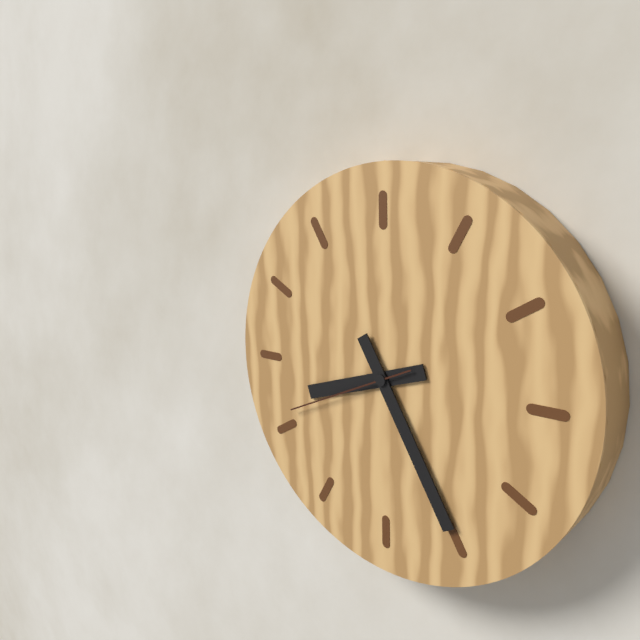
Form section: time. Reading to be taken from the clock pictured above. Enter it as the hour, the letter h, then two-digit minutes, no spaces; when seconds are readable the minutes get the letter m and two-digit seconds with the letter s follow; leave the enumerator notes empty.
8h25m41s
